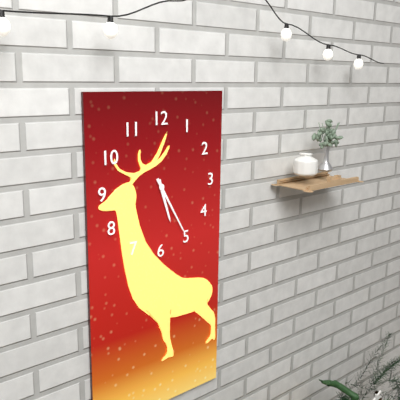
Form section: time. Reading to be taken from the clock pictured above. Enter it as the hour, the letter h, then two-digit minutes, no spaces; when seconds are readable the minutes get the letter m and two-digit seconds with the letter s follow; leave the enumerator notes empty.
5h25
